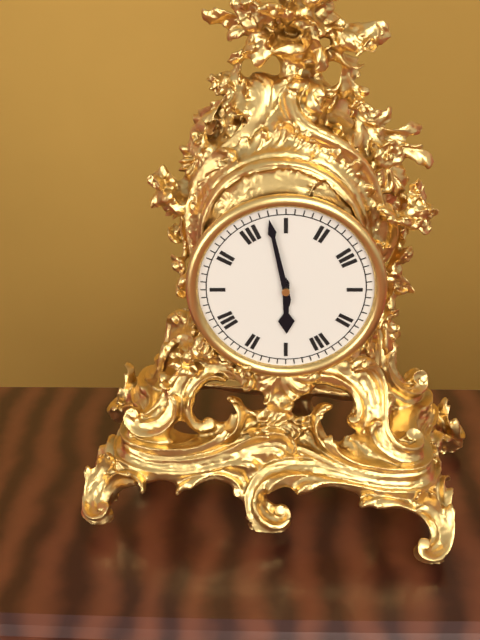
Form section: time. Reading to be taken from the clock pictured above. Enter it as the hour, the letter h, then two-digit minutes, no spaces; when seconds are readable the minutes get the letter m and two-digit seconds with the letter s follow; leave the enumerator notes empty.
5h58
